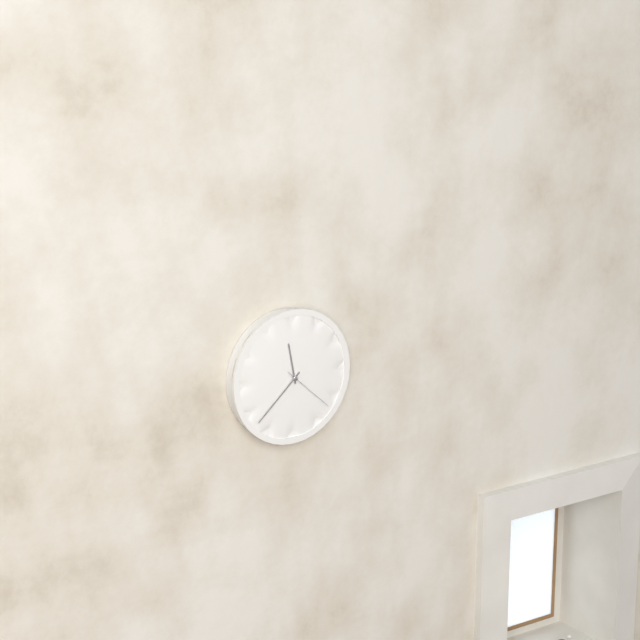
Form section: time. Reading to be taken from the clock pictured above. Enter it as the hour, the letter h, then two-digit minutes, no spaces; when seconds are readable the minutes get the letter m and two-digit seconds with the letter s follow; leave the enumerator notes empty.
11h38m22s
